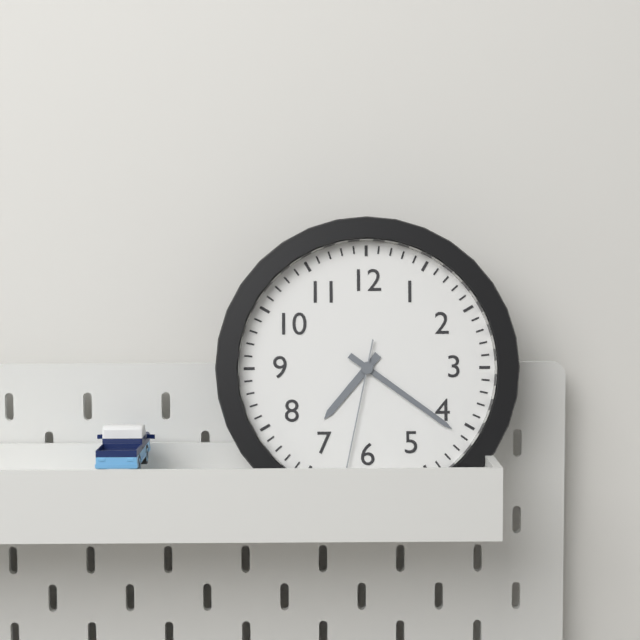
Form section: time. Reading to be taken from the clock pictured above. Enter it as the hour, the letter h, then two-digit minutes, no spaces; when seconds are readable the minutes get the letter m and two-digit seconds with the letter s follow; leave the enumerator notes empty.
7h21m32s
